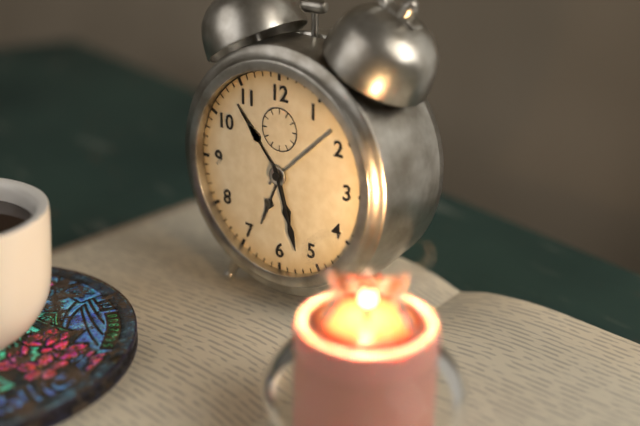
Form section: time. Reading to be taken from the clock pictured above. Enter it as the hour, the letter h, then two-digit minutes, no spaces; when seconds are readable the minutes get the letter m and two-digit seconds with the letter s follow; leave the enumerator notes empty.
5h27
